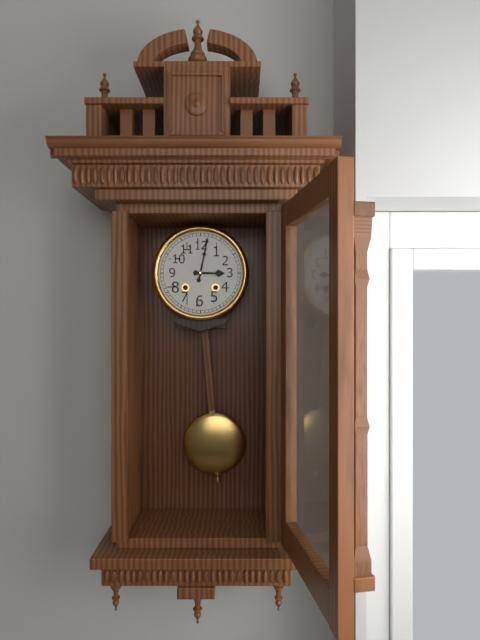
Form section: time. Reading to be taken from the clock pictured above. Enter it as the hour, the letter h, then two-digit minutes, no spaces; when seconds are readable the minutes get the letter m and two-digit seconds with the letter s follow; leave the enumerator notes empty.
3h02
